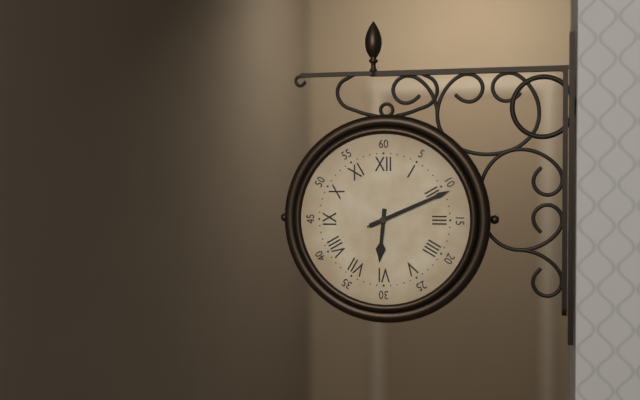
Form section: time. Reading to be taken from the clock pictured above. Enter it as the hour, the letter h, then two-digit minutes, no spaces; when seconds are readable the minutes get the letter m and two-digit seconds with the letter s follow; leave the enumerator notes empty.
6h11m11s
